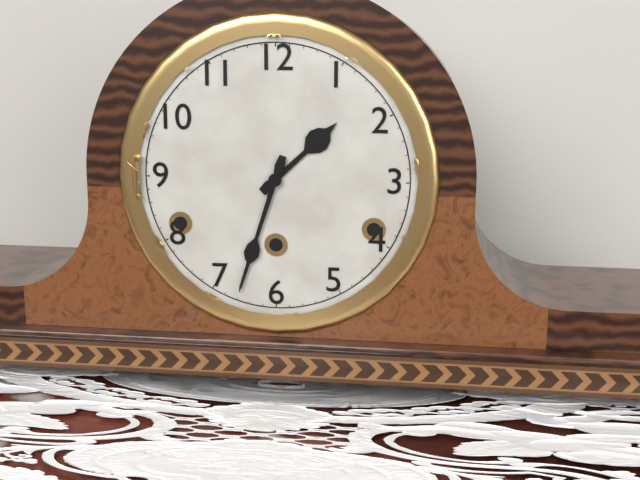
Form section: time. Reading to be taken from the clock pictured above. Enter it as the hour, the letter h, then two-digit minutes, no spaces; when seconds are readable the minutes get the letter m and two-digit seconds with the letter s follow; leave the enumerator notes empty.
1h33
